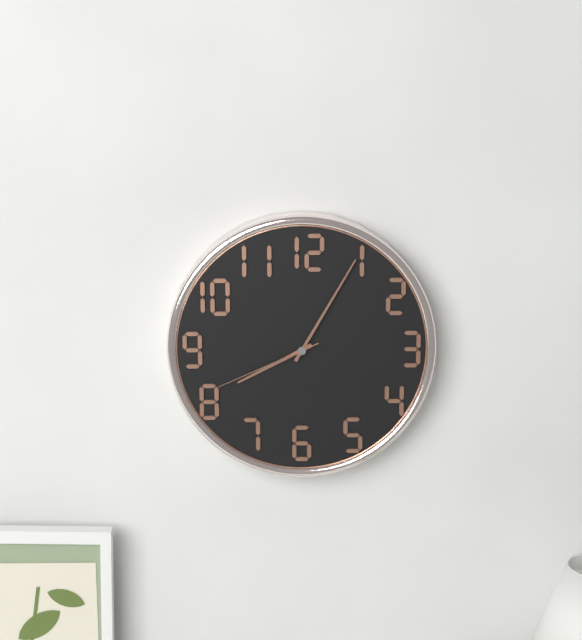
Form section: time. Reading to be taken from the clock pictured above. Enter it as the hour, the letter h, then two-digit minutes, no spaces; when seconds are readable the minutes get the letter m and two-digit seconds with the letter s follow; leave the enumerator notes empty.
8h05m41s
